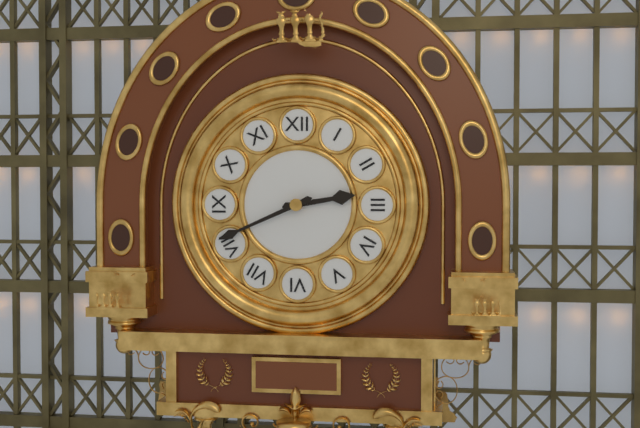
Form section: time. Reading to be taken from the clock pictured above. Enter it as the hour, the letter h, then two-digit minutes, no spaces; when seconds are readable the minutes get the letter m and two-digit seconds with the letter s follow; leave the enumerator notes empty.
2h41
